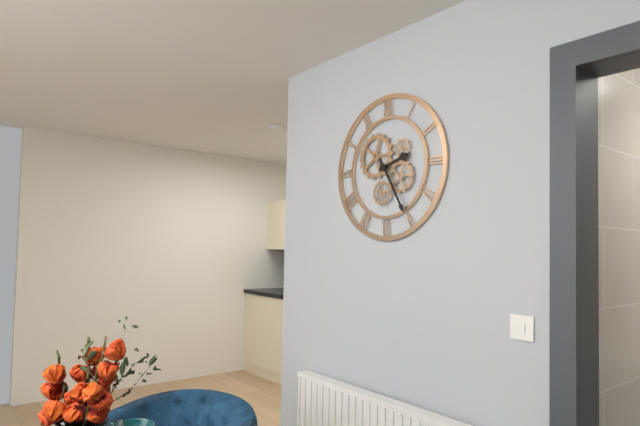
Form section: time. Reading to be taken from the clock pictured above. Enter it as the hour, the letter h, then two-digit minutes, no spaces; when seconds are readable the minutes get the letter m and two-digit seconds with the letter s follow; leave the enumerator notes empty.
2h25
